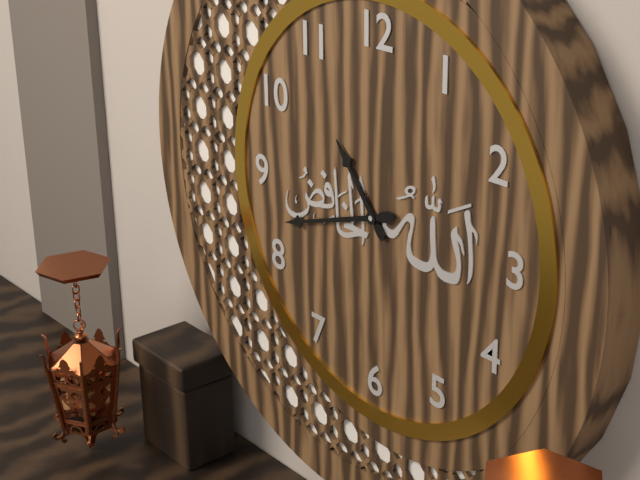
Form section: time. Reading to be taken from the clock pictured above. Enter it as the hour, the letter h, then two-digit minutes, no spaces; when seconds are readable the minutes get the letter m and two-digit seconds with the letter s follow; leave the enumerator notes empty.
10h42
